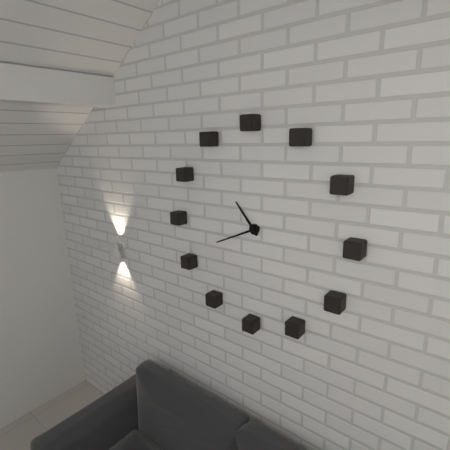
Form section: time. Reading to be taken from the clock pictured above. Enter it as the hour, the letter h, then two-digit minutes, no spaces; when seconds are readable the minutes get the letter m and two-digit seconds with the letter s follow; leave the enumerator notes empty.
10h41
